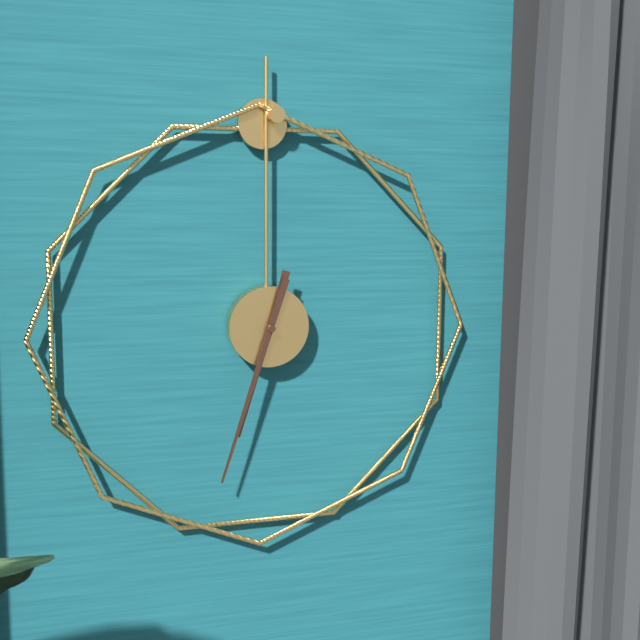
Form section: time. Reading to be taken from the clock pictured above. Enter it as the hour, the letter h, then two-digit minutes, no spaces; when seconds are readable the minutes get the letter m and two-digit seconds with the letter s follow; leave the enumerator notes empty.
6h33
